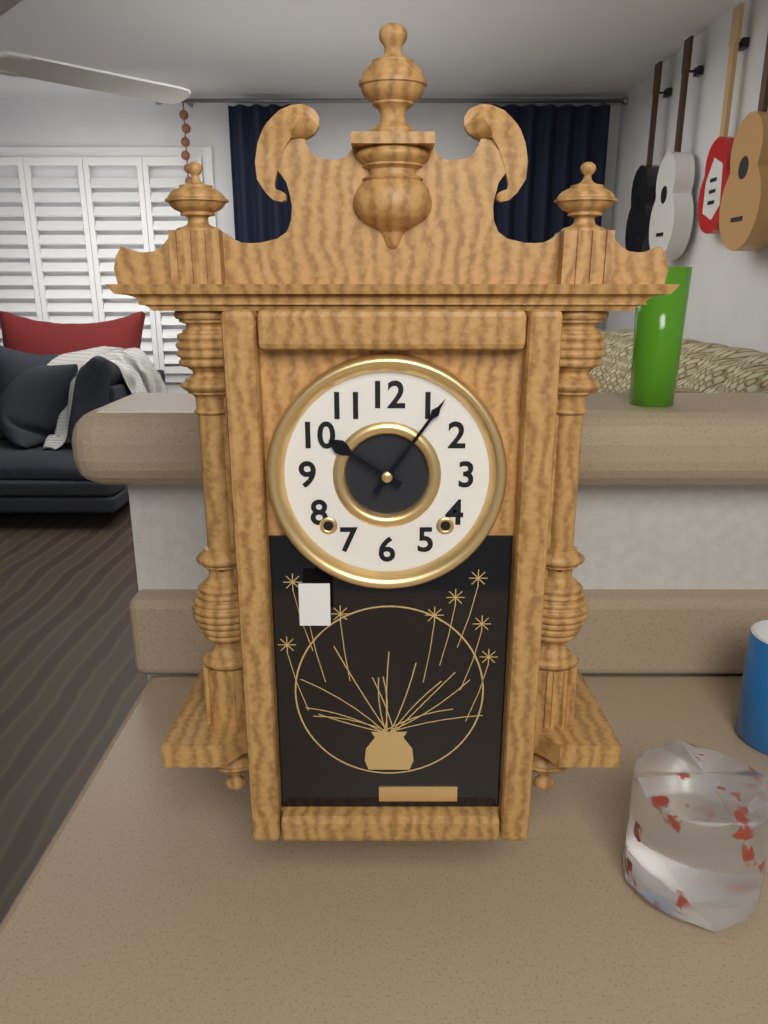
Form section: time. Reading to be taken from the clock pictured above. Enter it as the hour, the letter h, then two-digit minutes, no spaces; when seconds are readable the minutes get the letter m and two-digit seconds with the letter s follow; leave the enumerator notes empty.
10h06
